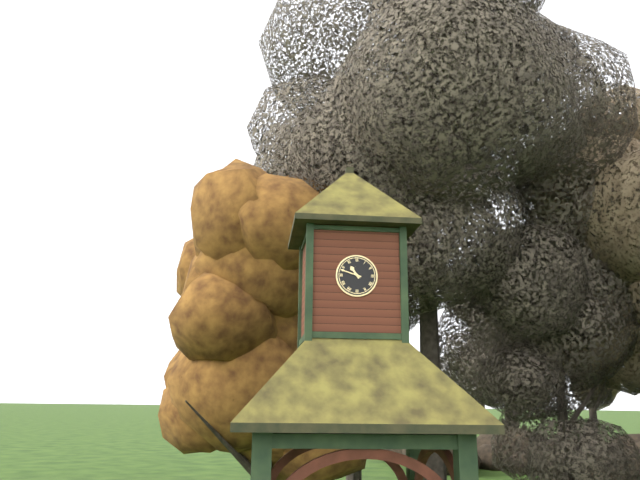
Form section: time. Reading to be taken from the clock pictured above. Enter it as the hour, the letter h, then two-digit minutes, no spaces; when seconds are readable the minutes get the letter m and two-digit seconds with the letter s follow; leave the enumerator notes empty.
10h48
